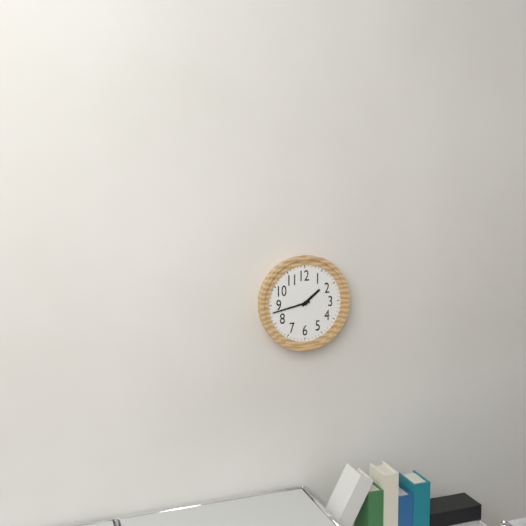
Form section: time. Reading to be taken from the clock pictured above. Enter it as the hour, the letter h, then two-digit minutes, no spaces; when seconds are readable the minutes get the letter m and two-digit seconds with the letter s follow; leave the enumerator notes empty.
1h43
